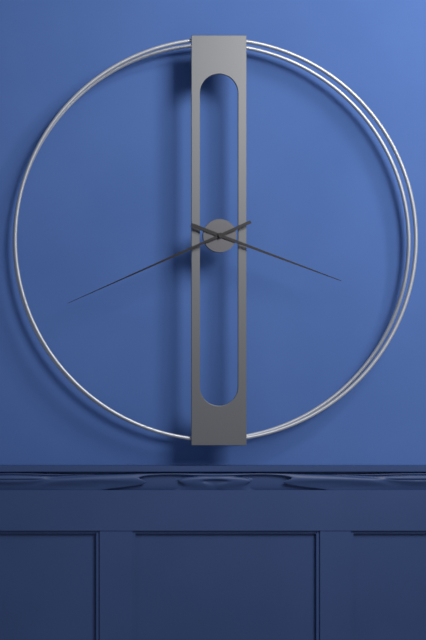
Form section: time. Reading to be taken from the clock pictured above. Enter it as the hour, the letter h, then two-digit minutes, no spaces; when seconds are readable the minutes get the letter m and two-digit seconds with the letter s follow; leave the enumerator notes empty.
3h41
